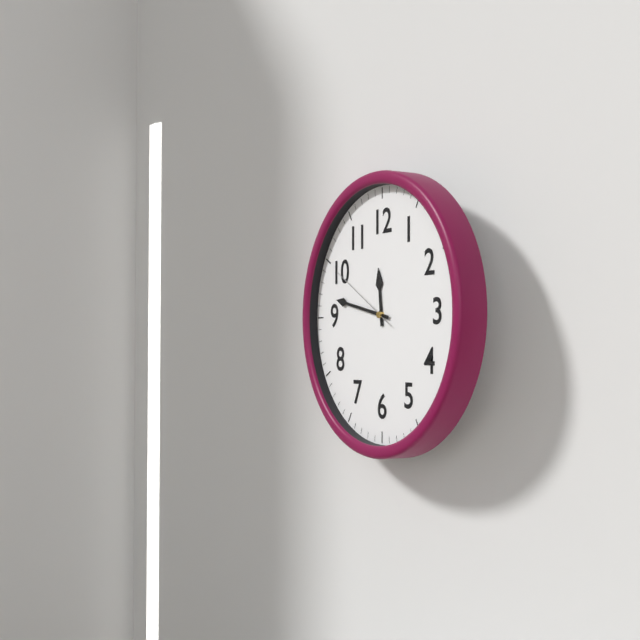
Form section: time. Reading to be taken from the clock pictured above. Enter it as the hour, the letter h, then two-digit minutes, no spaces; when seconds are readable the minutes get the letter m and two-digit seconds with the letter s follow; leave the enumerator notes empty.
11h47m50s
